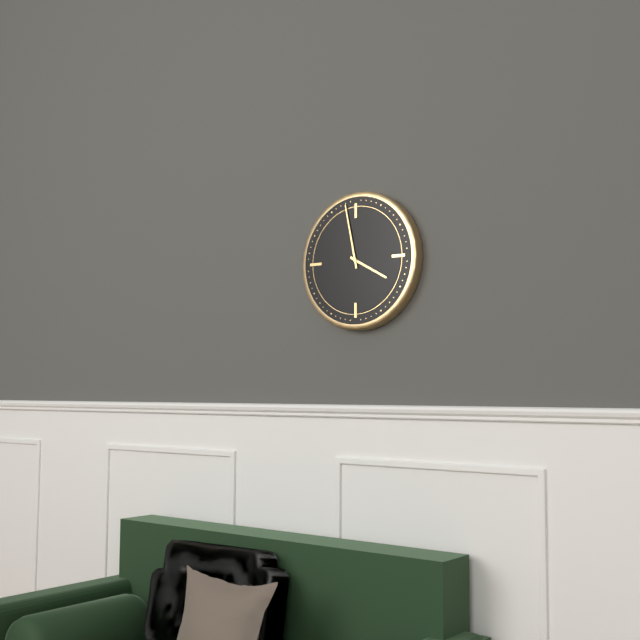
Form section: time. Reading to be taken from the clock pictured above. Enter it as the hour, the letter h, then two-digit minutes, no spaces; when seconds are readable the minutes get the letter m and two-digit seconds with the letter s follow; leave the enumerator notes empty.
3h58
